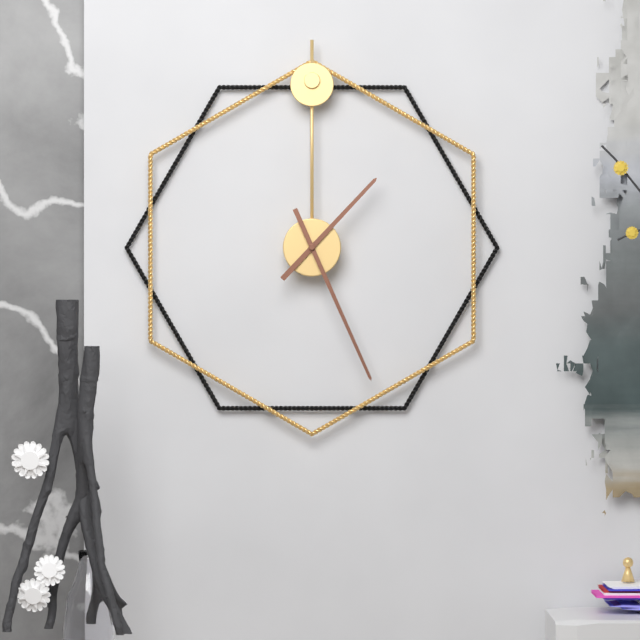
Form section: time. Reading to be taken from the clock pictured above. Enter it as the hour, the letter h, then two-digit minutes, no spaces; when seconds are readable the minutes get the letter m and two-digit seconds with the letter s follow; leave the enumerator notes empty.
1h26
